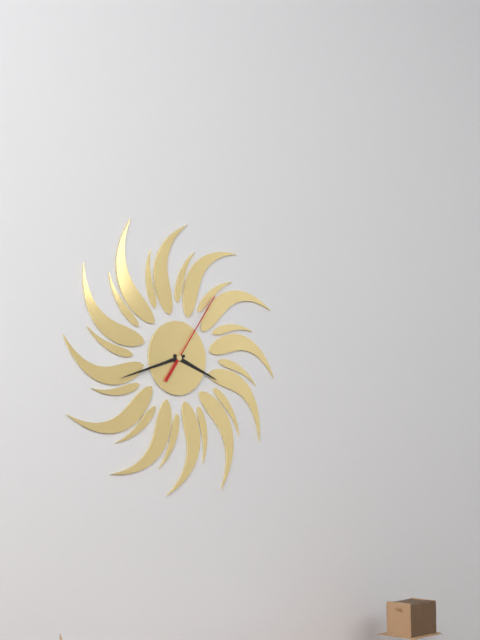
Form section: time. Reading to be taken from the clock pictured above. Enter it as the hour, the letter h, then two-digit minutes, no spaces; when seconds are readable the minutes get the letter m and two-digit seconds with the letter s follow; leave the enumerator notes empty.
3h42m06s
